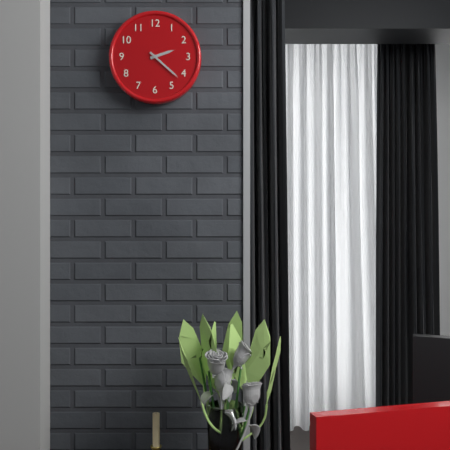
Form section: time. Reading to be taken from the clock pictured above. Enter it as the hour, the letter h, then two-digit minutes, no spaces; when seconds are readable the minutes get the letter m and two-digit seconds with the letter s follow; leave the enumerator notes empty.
2h22
